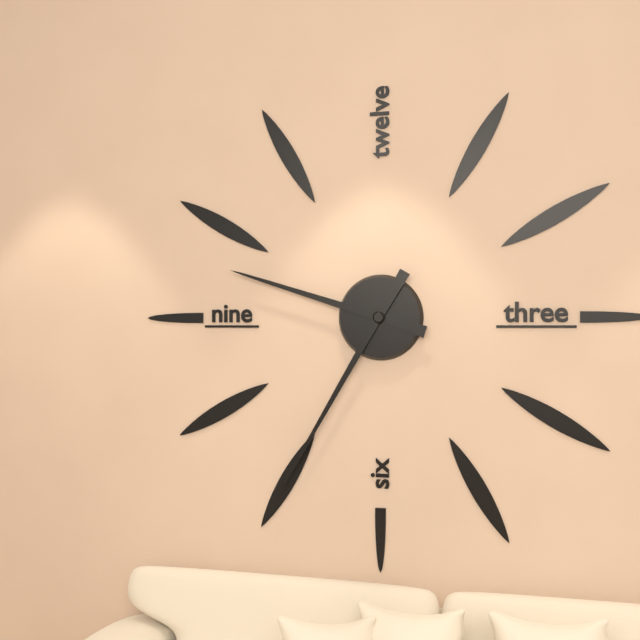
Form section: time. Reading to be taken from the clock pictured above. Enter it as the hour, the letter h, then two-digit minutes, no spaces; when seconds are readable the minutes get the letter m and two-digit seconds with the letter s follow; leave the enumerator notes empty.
9h35
